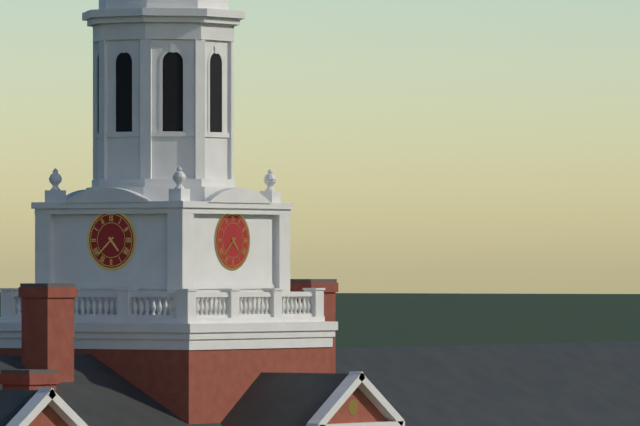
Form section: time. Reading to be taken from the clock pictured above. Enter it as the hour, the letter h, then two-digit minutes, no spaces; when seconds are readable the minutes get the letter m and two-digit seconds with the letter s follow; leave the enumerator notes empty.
4h38
